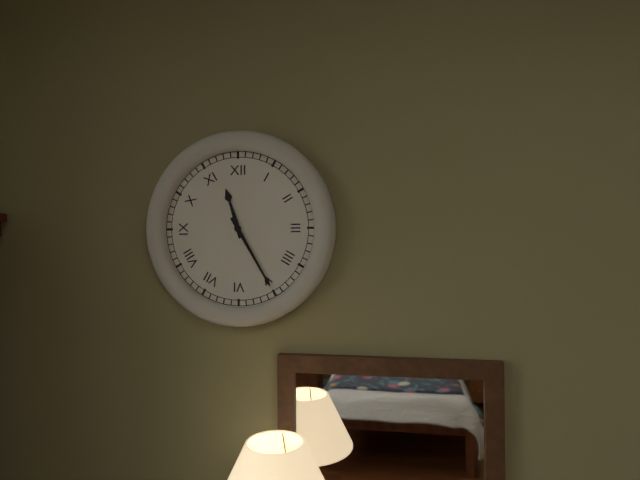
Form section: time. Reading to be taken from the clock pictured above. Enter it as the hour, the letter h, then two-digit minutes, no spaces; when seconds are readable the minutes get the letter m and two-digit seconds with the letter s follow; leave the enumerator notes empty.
11h25
